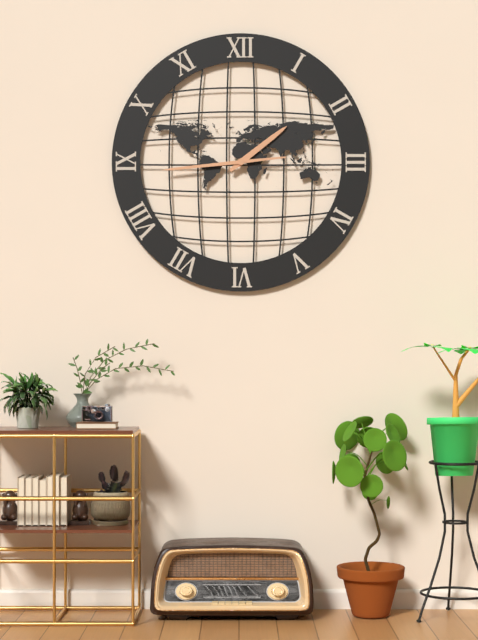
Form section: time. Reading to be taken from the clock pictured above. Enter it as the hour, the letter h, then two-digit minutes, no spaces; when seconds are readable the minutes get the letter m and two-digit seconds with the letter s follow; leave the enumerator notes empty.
1h44
